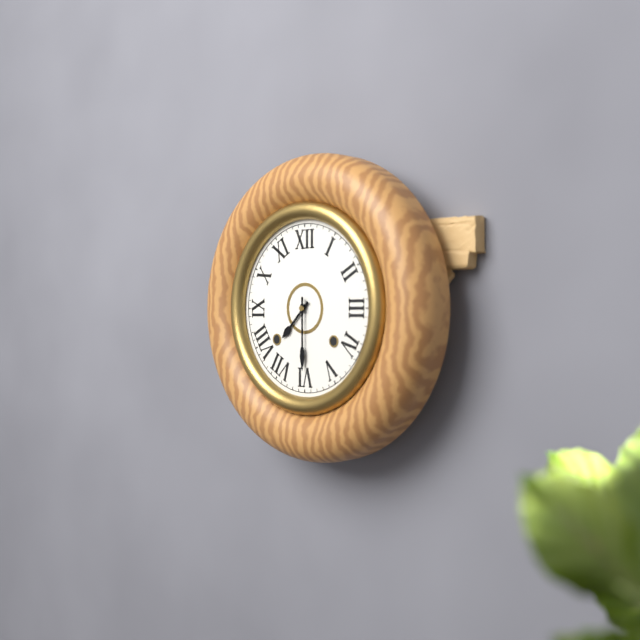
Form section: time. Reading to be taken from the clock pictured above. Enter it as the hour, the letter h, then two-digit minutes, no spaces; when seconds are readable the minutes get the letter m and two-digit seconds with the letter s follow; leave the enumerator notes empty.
7h30
